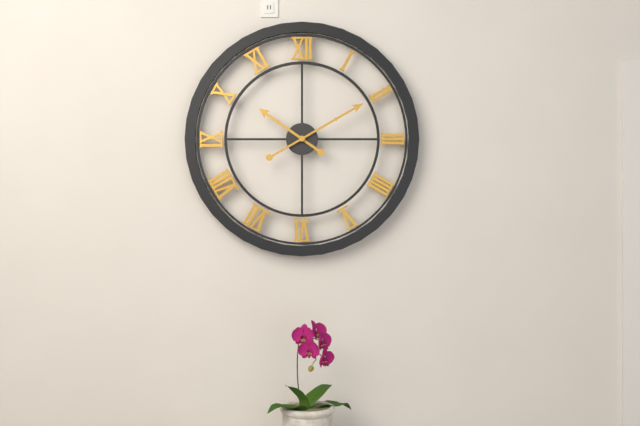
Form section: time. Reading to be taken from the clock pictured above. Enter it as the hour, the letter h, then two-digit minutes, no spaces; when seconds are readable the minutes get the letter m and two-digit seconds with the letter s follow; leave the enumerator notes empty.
10h10
